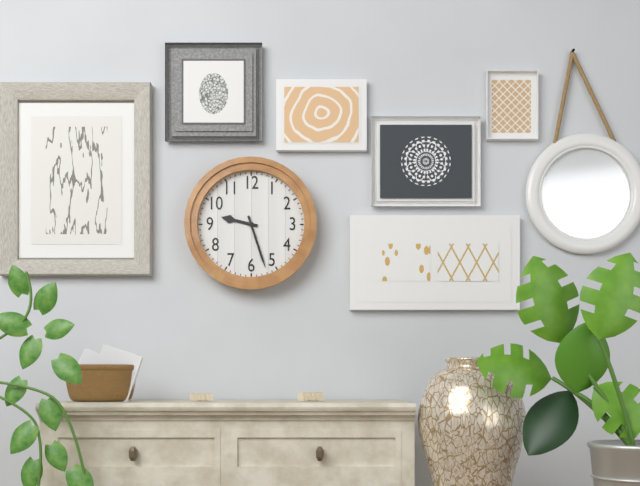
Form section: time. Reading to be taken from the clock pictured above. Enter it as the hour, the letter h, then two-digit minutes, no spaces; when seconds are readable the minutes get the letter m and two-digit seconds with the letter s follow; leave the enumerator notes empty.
9h27
